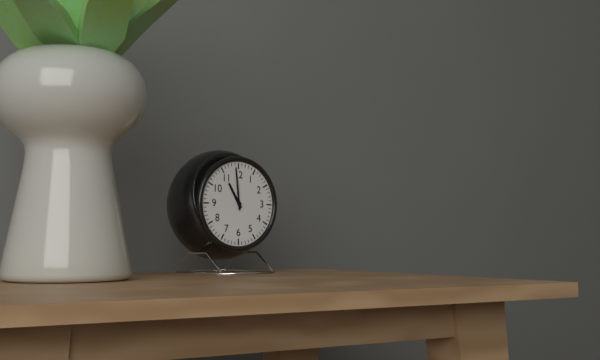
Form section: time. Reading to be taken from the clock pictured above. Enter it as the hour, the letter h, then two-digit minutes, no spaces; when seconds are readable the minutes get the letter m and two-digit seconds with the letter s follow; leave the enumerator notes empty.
10h59
